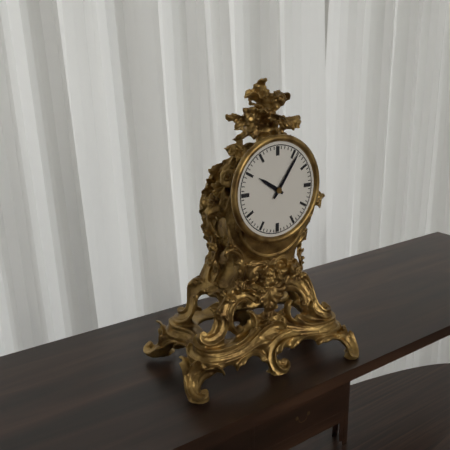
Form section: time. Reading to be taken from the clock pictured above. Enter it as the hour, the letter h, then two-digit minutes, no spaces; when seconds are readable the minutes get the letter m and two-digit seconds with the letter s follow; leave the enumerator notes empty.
10h06
